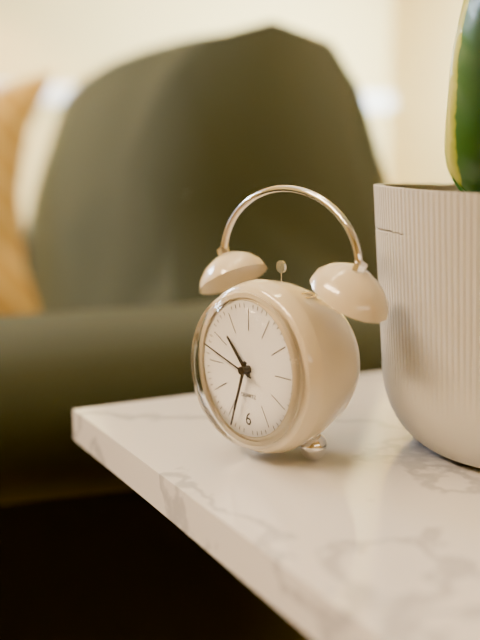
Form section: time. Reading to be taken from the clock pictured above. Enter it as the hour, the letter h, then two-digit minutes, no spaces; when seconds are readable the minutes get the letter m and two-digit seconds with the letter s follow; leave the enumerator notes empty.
10h33m48s
